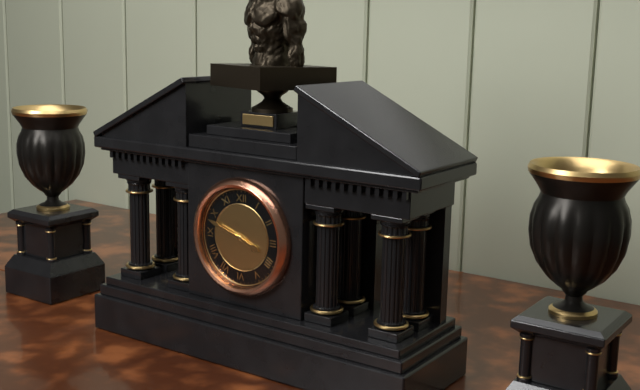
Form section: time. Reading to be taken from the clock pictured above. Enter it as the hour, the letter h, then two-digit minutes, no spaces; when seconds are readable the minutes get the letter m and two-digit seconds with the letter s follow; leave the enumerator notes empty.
3h48
